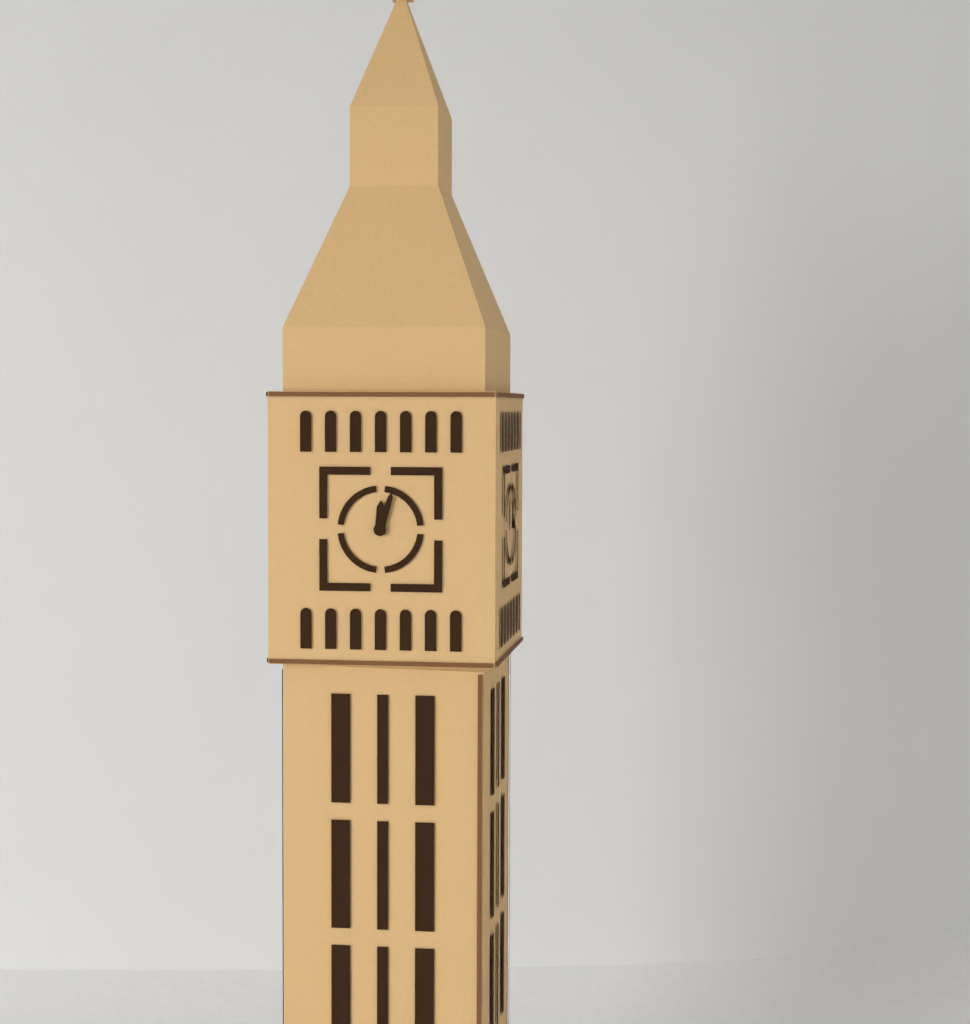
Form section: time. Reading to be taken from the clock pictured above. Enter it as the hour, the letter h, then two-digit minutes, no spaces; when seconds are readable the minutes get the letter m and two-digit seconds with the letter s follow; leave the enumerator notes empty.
12h03
